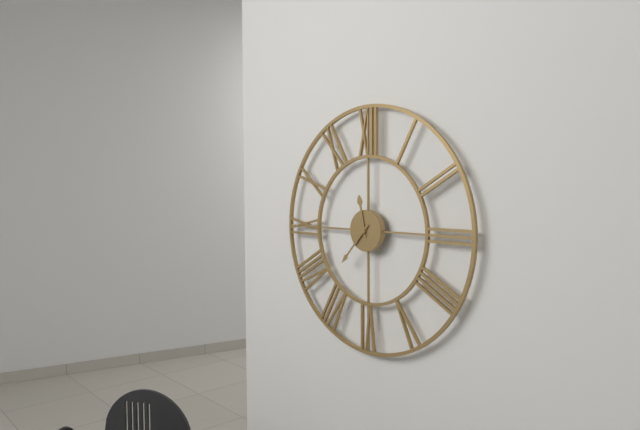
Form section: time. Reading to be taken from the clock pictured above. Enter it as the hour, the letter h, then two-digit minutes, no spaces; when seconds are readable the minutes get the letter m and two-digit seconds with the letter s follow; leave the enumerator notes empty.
11h37
